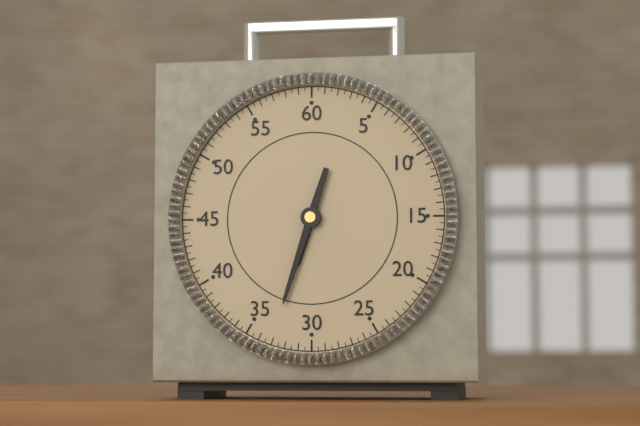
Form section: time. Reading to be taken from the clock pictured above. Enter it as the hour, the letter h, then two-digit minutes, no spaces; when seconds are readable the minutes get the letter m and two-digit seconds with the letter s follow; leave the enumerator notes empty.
6h33
